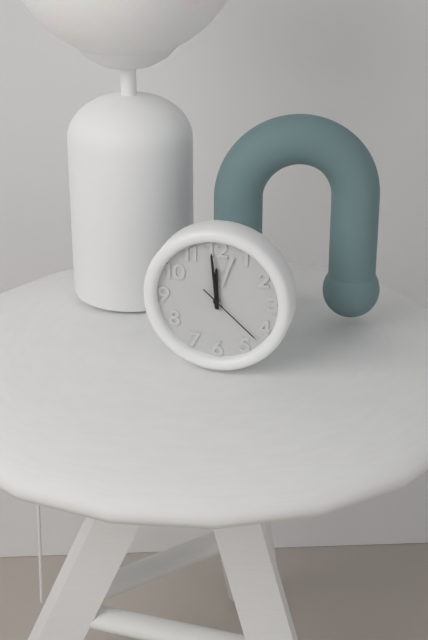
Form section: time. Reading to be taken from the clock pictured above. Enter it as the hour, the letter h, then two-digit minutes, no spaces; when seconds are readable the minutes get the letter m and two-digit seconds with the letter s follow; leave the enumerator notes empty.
11h59m22s
